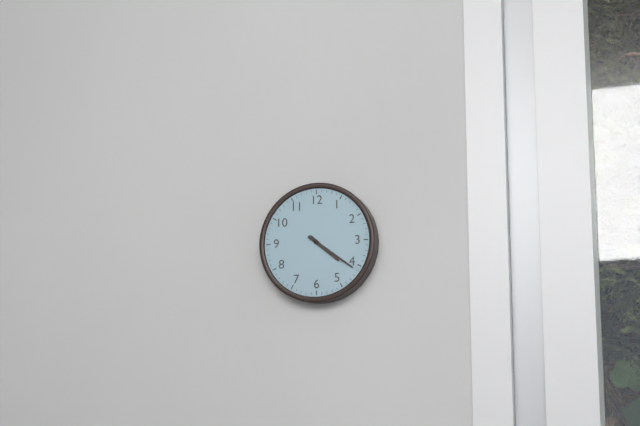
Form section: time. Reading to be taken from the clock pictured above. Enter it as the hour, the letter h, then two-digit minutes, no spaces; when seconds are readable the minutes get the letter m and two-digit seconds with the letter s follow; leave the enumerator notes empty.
4h21
